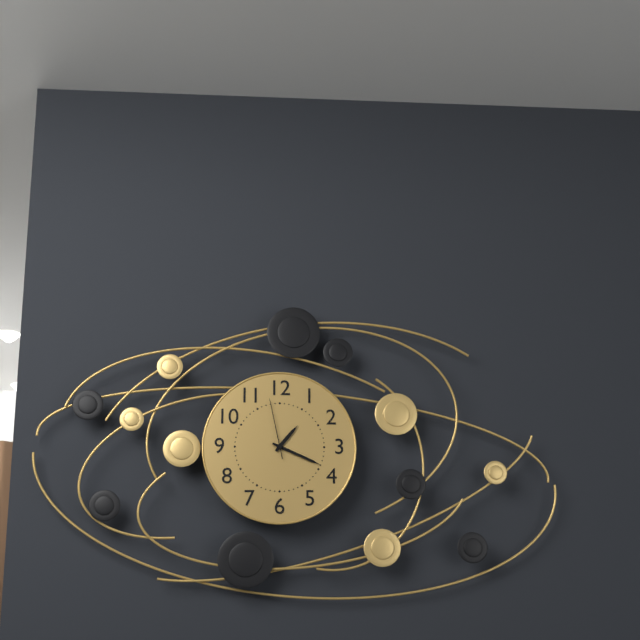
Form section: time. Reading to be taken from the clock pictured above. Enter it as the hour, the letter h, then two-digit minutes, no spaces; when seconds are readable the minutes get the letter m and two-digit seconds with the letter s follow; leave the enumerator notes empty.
1h19m58s
